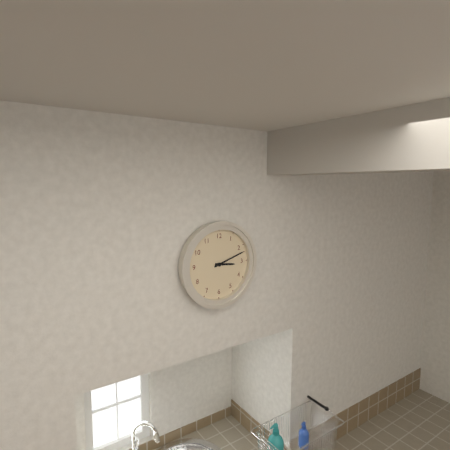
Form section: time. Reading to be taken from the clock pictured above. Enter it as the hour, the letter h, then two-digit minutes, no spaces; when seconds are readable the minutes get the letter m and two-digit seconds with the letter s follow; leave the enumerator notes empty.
3h12
